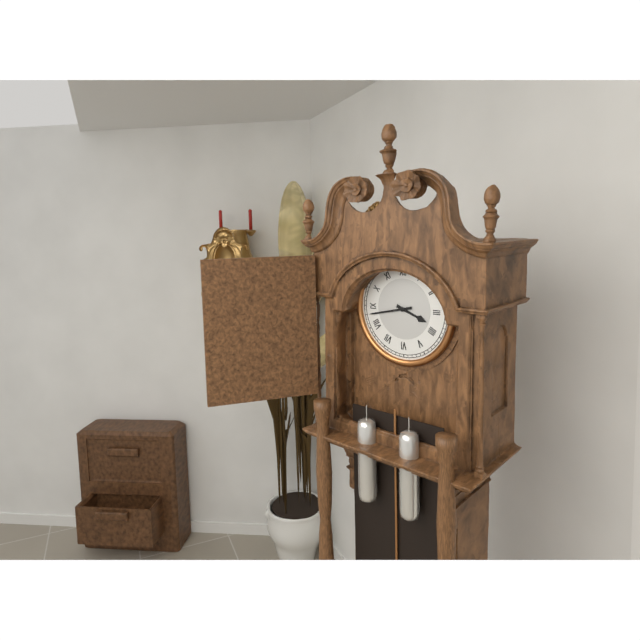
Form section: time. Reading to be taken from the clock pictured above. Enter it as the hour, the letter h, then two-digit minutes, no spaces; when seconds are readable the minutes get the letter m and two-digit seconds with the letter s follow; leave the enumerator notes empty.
3h43
